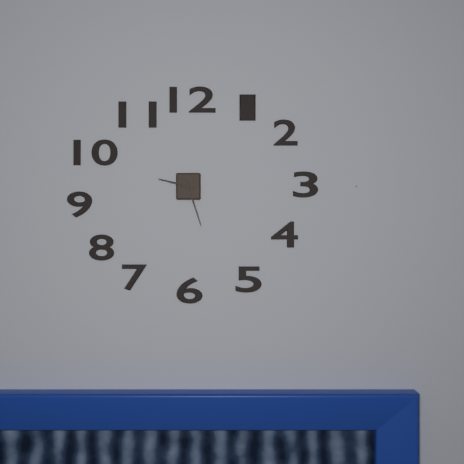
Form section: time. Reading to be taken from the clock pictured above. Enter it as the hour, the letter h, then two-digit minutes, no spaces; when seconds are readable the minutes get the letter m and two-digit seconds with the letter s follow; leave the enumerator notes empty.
9h27
